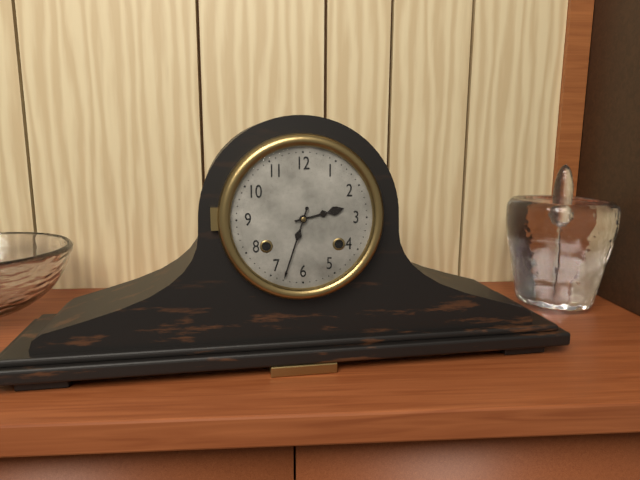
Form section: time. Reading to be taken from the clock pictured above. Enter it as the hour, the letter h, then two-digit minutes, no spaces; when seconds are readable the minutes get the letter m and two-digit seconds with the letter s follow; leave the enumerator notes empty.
2h33
